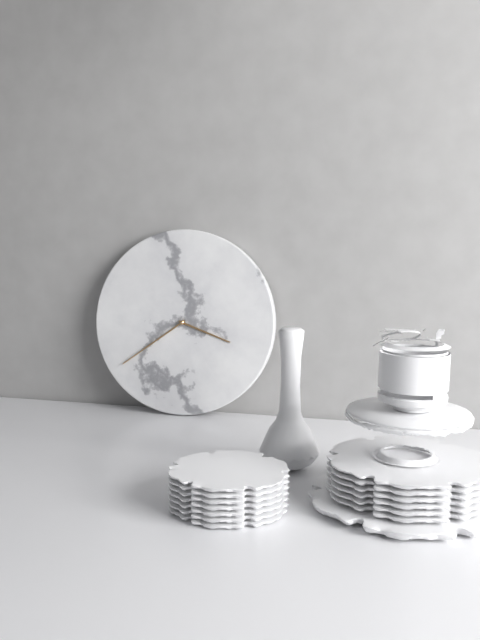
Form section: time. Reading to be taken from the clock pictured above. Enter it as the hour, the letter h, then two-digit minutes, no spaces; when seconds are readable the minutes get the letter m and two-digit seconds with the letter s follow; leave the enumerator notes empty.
3h39
